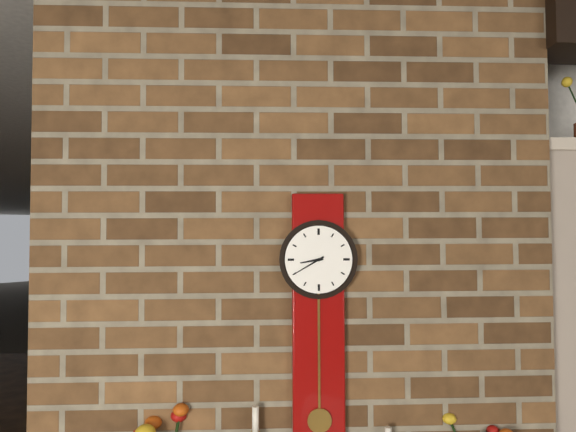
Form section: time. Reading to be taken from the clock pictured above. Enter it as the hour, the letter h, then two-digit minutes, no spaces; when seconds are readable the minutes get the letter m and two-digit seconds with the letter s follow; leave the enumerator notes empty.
8h40
